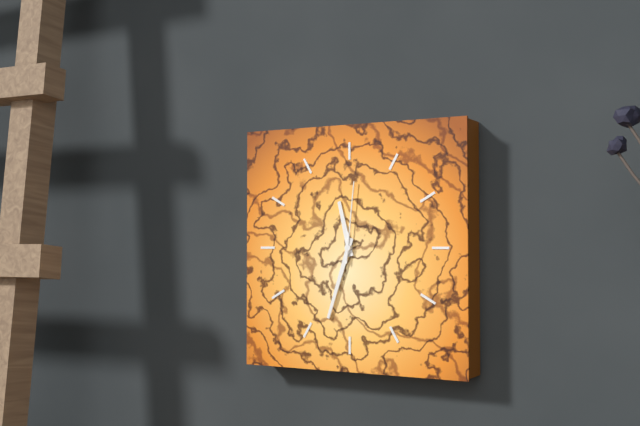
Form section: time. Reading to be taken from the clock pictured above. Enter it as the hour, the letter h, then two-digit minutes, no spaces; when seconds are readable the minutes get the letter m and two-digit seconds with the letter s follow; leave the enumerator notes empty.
11h33m01s
